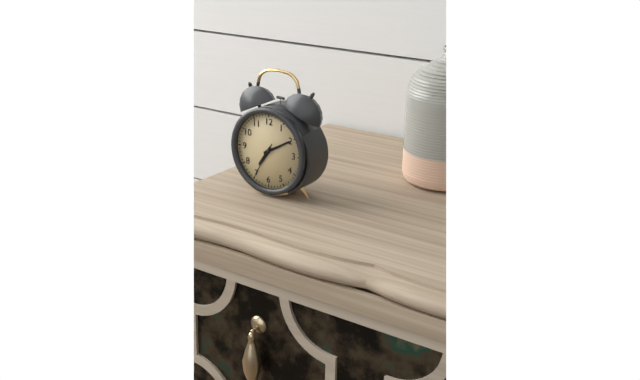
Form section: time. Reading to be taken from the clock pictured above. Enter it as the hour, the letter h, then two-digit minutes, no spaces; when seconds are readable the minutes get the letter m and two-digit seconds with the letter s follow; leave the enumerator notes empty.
7h10
